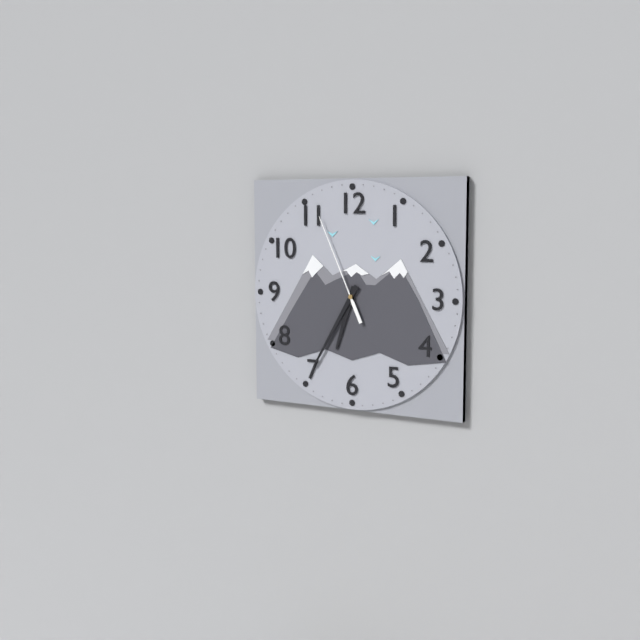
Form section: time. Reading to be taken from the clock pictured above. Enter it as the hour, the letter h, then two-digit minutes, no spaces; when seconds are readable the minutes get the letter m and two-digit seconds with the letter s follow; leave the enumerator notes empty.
6h35m56s
